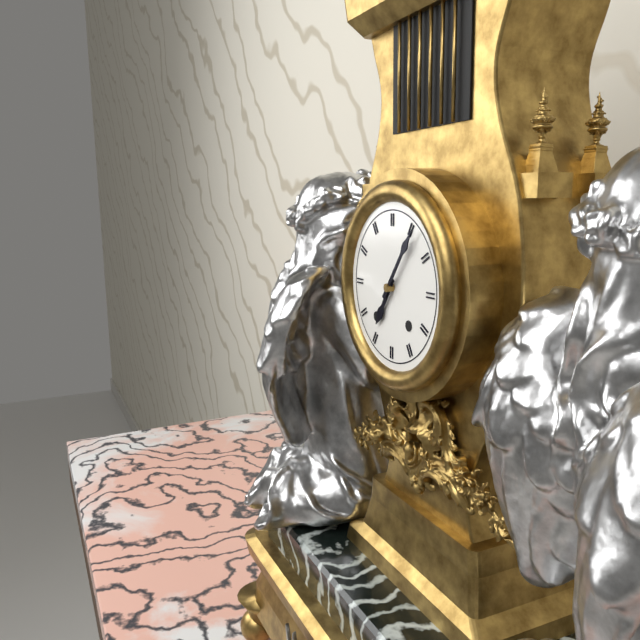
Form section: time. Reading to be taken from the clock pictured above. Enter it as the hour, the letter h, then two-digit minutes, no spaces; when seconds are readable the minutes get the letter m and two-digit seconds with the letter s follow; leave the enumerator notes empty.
7h06
